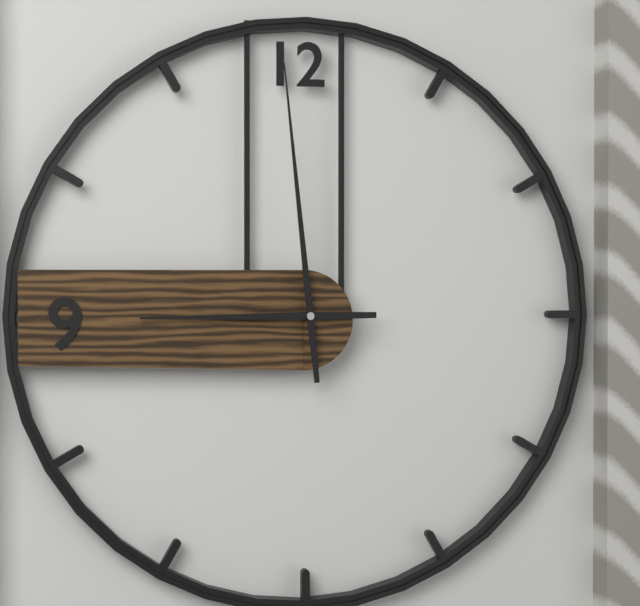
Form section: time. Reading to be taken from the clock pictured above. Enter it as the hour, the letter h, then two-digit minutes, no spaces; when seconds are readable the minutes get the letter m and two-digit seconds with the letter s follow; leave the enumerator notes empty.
8h59
